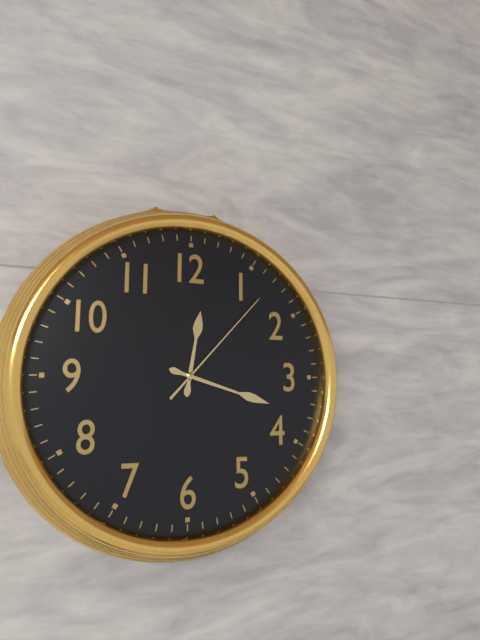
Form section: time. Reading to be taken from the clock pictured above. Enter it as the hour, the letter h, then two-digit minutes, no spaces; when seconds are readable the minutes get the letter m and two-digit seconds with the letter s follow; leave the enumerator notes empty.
12h18m07s
